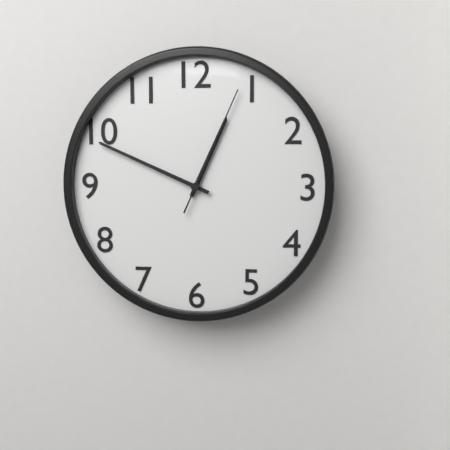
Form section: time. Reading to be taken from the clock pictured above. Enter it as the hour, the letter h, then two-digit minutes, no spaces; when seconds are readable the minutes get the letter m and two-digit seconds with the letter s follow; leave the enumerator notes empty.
12h49m04s
